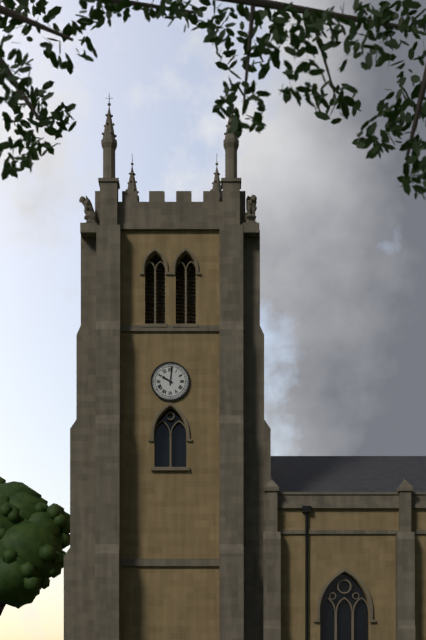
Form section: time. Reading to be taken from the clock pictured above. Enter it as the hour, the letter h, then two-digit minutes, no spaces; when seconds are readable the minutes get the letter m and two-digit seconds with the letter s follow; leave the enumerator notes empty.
10h01
